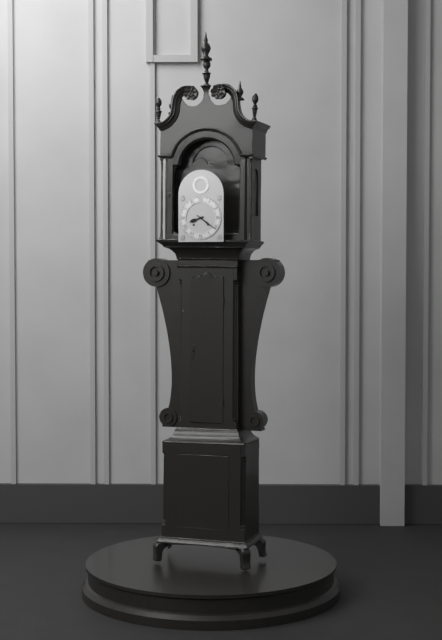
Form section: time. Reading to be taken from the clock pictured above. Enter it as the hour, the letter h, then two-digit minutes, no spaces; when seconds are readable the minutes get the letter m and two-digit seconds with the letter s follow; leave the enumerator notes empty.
8h21
